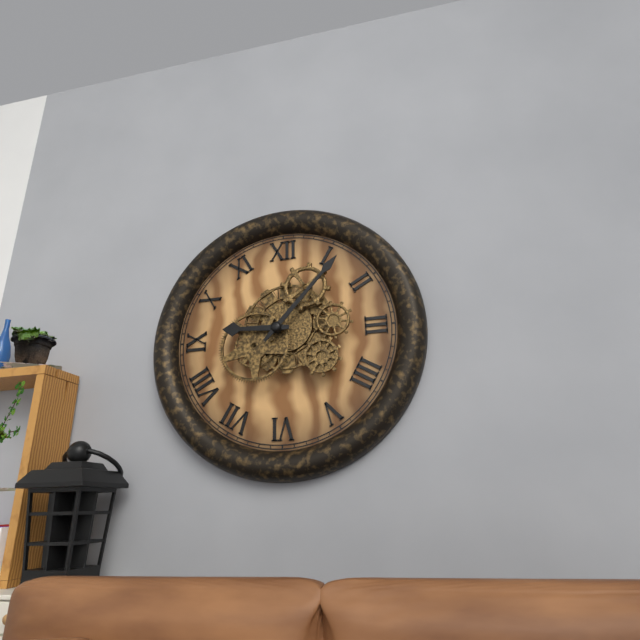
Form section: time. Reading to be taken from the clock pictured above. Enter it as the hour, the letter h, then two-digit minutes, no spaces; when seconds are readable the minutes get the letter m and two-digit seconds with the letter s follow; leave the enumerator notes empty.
9h07
